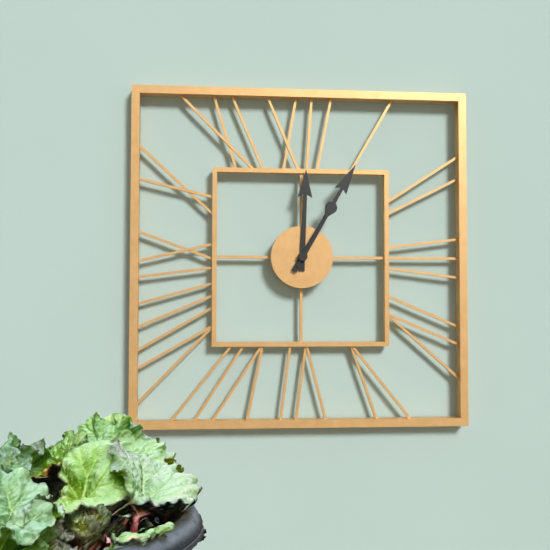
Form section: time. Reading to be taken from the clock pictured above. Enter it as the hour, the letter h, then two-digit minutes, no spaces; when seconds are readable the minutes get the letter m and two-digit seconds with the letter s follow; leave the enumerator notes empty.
12h05m05s
